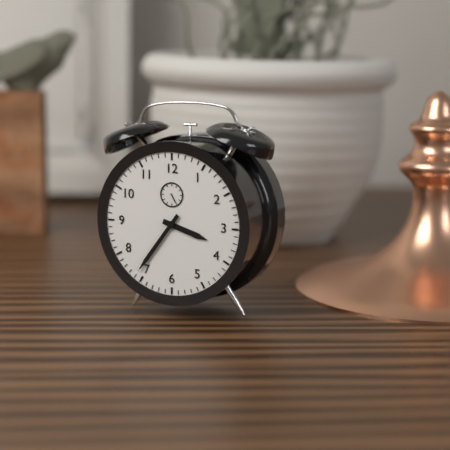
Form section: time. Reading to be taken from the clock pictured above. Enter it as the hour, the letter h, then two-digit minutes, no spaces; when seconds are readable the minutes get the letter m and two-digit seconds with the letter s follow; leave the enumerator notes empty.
3h36
